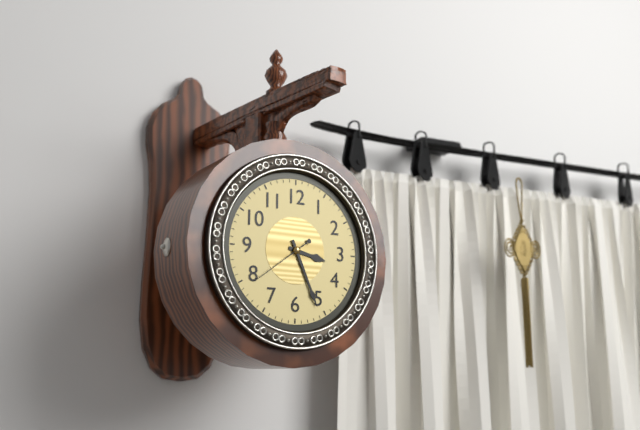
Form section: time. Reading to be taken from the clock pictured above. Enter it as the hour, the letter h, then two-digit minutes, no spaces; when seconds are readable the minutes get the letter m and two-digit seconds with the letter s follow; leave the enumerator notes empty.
3h26m39s
